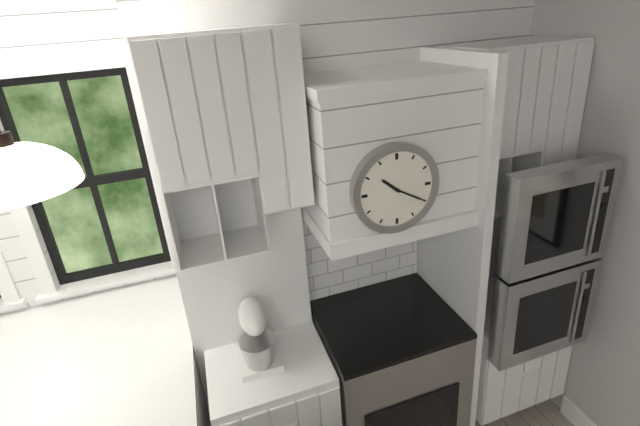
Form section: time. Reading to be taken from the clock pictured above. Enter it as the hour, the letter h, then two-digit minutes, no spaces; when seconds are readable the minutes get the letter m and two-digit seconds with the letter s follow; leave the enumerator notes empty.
10h20
